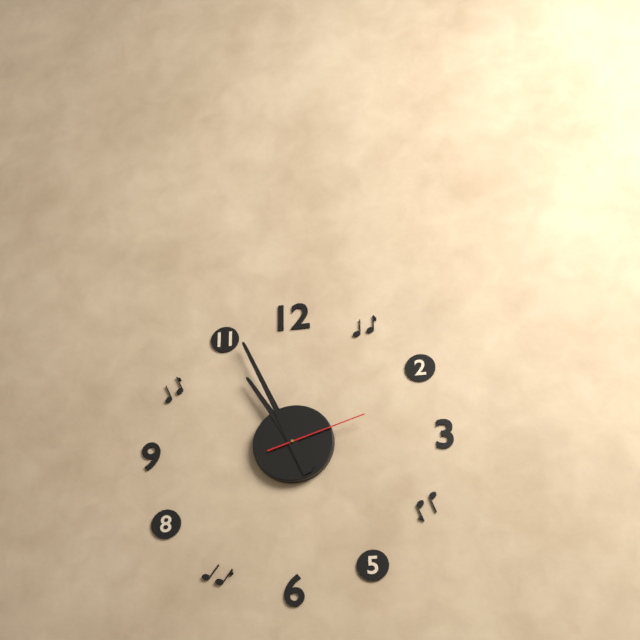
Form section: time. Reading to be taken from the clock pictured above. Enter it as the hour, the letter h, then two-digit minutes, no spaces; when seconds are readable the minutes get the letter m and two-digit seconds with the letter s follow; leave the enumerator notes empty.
10h56m12s
